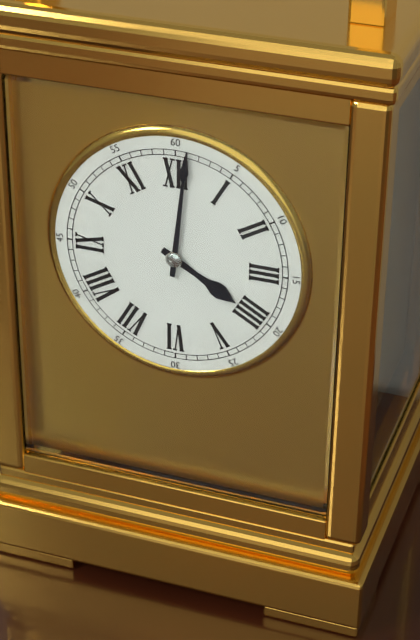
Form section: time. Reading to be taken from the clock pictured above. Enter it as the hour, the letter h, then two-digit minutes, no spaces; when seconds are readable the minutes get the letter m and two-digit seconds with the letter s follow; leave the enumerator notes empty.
4h01
